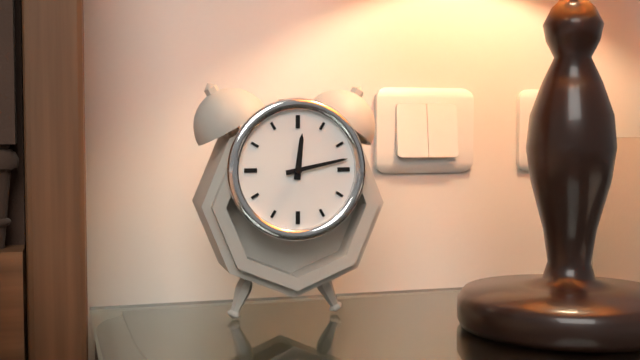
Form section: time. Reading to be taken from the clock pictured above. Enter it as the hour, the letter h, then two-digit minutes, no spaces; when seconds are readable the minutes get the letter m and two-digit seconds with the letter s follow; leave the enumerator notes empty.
12h13
